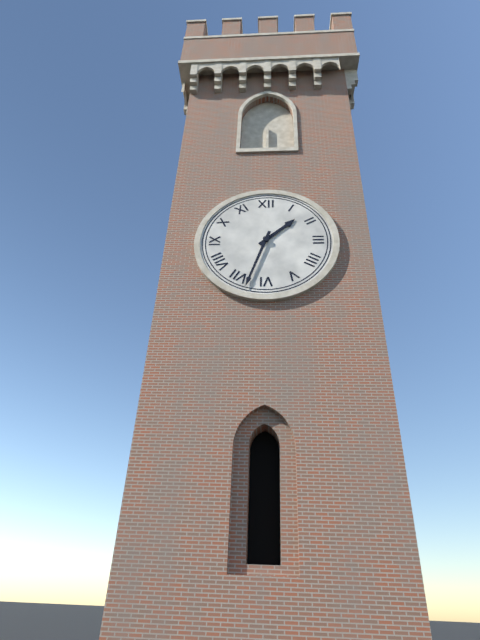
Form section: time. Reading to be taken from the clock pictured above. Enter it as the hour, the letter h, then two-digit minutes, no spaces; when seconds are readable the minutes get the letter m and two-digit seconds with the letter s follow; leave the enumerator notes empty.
1h33
